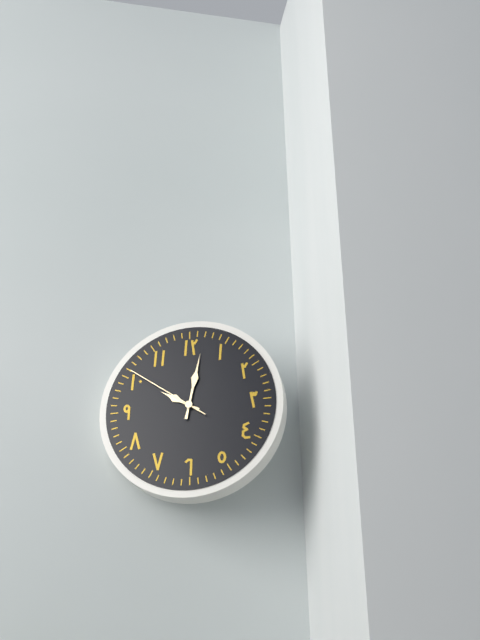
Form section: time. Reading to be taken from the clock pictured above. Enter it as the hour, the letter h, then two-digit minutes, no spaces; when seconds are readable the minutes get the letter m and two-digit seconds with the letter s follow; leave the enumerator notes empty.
10h02m51s
